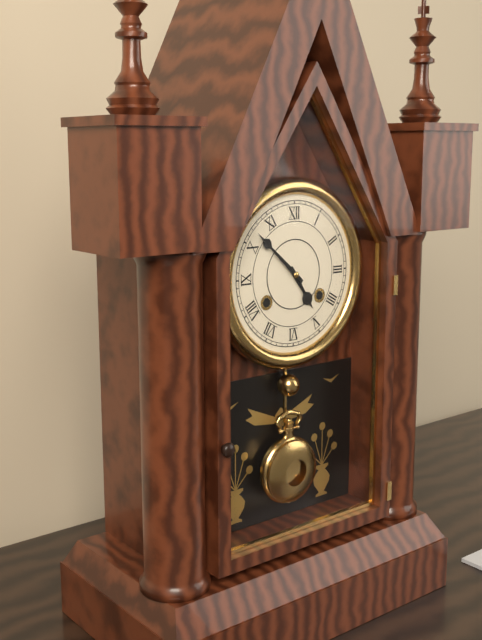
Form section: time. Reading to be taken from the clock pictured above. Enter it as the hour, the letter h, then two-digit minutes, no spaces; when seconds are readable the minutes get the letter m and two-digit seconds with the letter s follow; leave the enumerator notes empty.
4h52
